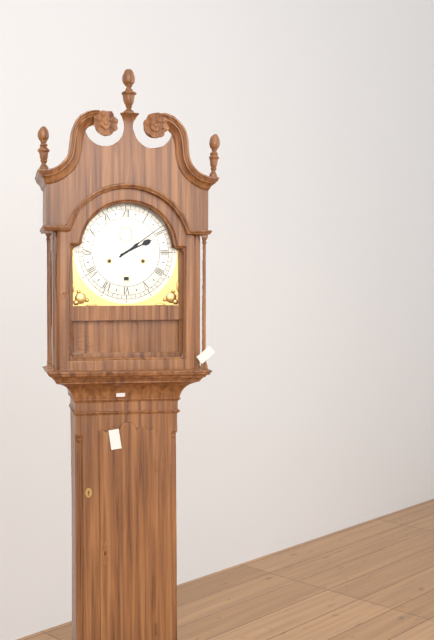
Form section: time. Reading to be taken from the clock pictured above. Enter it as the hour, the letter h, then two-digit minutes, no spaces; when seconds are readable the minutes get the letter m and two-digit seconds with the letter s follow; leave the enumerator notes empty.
2h09
